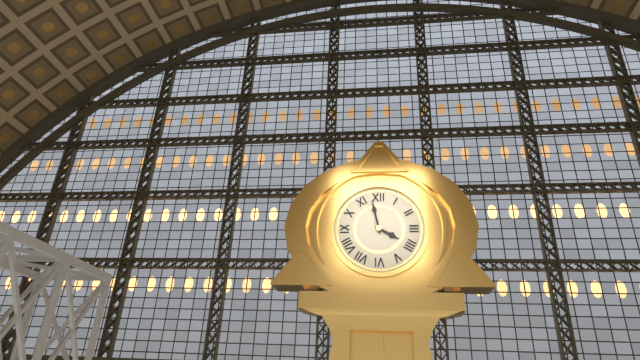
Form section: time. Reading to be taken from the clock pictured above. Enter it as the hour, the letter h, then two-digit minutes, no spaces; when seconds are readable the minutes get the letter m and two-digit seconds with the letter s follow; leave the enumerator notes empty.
3h58
